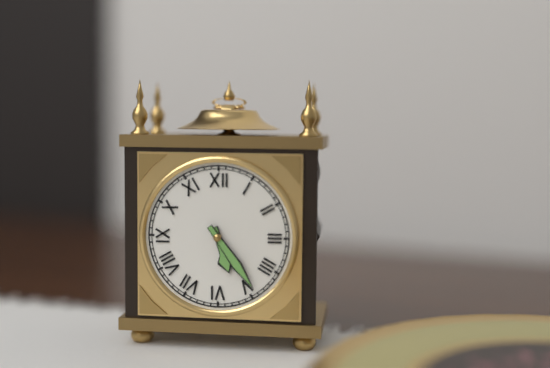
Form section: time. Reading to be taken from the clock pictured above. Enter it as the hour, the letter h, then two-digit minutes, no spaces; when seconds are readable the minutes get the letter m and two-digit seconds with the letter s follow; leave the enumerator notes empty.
5h24
